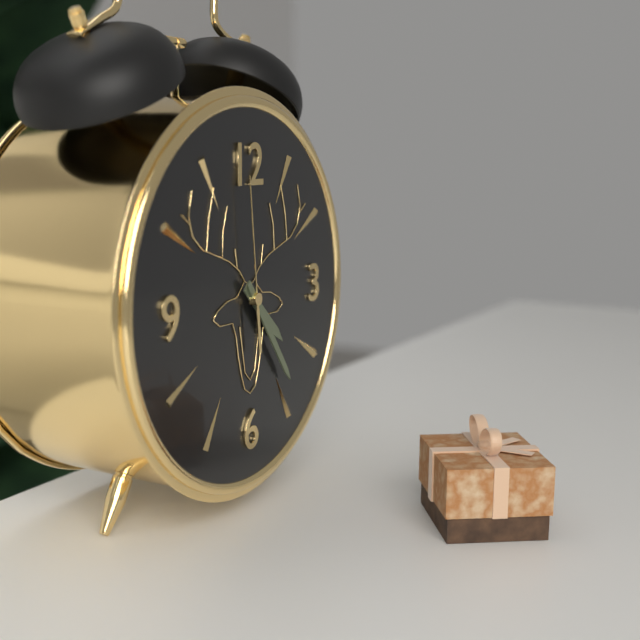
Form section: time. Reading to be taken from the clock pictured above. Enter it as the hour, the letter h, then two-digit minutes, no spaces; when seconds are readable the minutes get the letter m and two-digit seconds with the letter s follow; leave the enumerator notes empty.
4h24m59s
